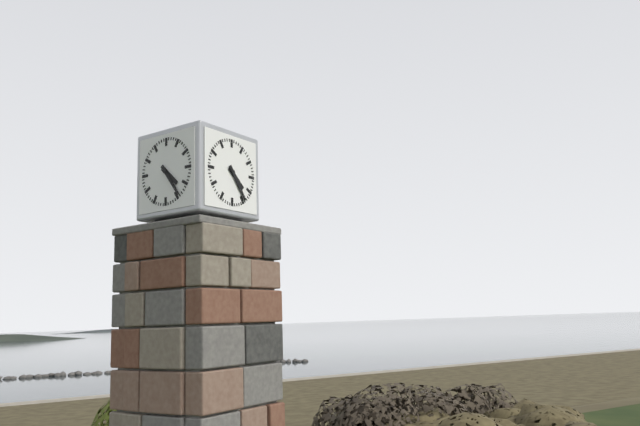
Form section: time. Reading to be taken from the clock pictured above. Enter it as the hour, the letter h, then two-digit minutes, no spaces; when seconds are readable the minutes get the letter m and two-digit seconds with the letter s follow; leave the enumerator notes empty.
4h24
